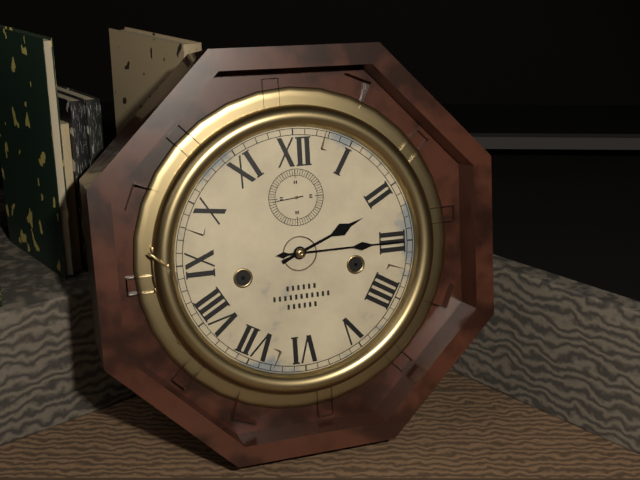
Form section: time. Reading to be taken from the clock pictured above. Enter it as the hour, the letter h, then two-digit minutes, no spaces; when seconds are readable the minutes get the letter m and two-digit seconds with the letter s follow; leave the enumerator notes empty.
2h15
